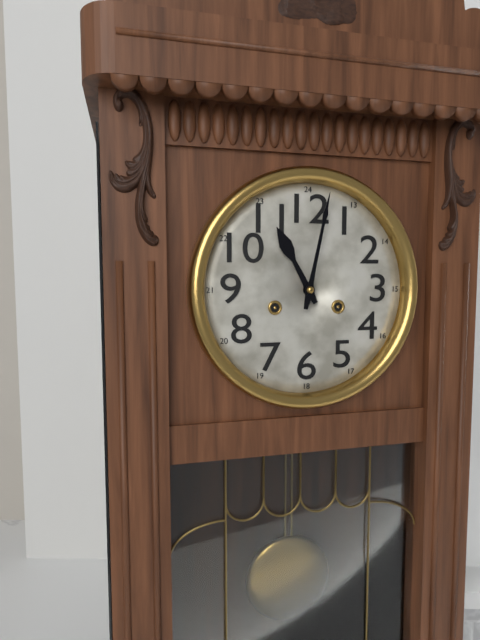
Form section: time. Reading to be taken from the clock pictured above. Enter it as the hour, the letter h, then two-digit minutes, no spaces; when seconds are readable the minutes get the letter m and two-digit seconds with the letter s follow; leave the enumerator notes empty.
11h02
